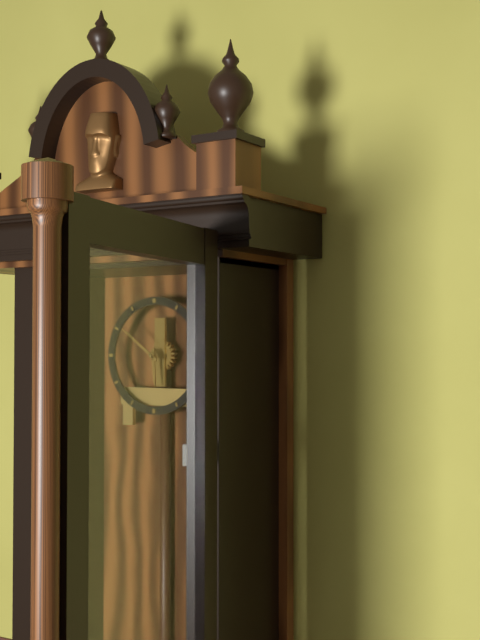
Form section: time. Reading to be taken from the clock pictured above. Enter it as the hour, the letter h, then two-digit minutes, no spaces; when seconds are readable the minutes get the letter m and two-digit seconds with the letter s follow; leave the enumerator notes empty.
5h51
